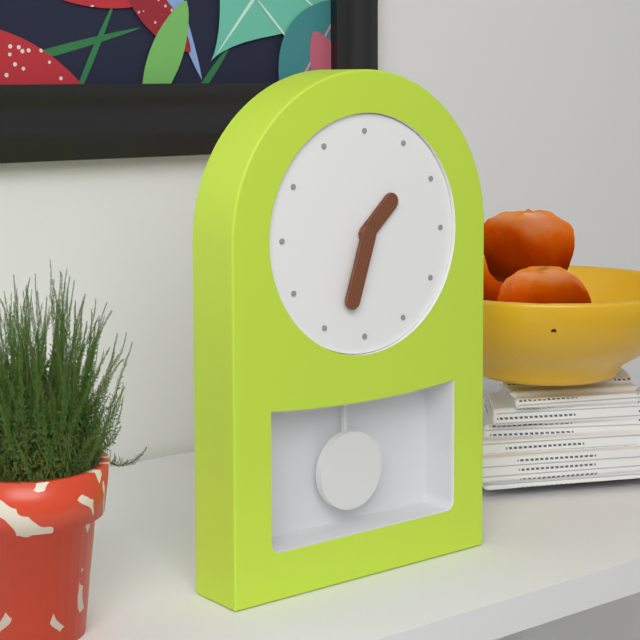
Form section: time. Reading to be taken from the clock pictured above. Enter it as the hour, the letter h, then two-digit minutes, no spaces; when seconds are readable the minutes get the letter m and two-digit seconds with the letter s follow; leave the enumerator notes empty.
1h33
